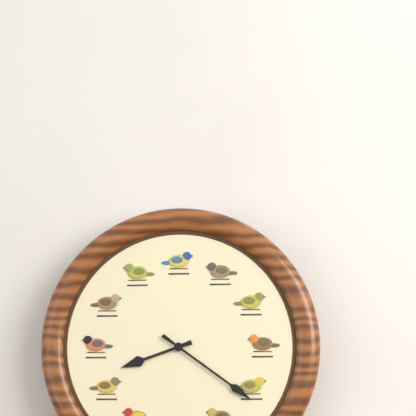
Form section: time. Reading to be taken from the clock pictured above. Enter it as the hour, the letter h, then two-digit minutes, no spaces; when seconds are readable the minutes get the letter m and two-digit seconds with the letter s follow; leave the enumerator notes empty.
8h21
